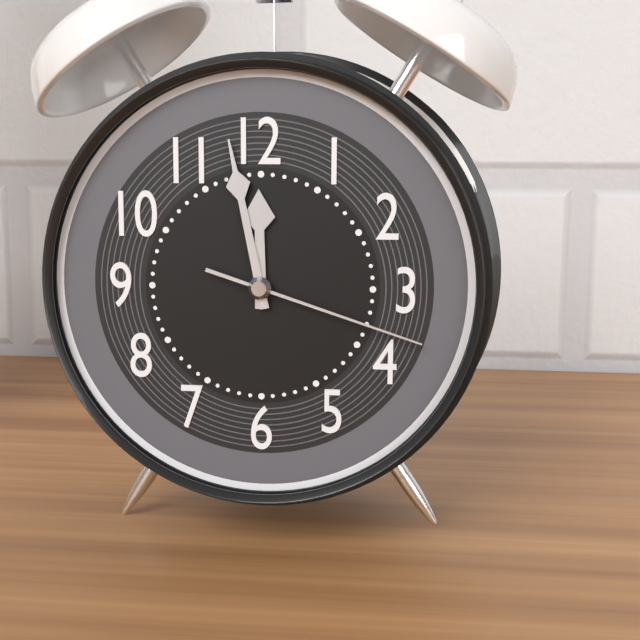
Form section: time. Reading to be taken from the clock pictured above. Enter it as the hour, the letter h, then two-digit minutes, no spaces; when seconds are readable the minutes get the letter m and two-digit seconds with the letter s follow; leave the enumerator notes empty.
11h58m18s
